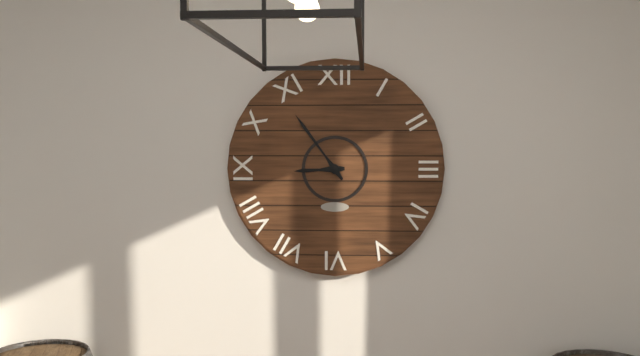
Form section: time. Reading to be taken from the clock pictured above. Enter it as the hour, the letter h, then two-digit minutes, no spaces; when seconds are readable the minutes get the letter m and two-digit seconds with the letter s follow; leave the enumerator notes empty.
8h54
